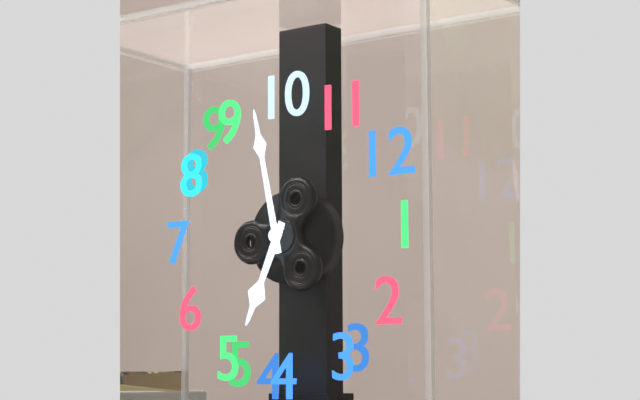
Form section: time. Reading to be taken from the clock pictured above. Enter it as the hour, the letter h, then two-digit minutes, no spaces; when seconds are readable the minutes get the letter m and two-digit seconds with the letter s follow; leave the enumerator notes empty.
4h48
